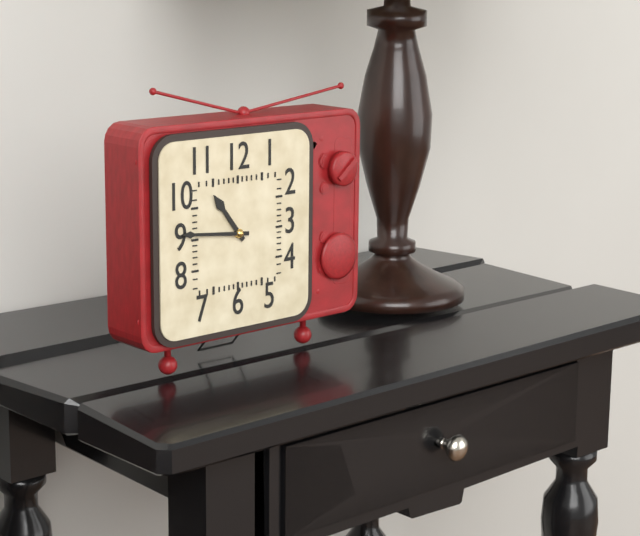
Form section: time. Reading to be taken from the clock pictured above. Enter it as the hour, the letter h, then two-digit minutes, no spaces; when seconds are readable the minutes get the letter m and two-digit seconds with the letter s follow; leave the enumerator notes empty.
10h46
